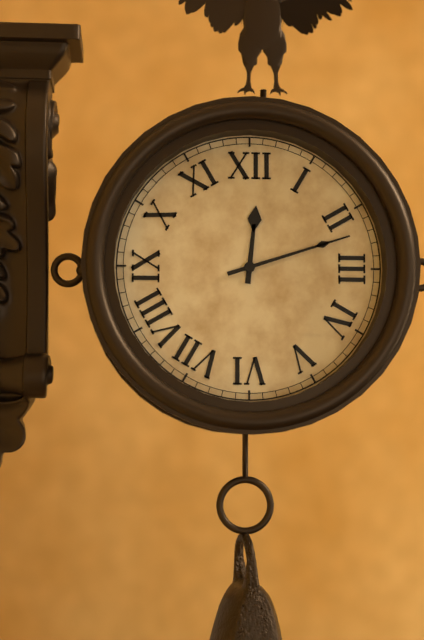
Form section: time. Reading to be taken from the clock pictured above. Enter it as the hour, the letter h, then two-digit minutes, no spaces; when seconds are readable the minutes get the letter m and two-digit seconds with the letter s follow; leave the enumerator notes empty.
12h12
